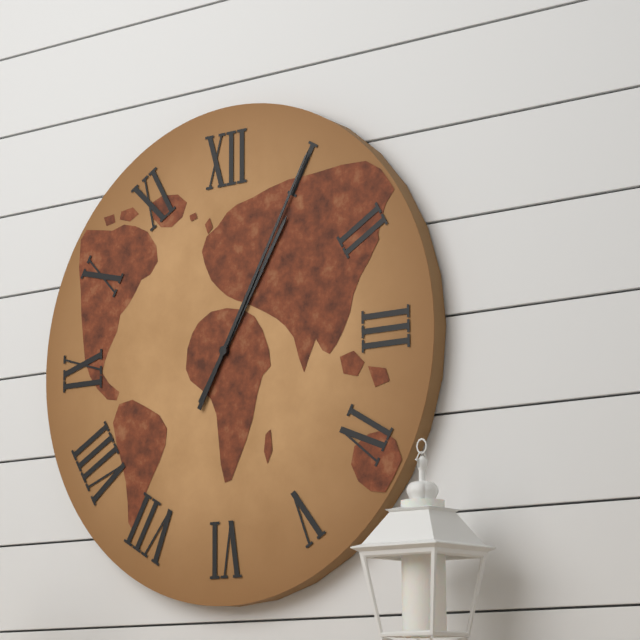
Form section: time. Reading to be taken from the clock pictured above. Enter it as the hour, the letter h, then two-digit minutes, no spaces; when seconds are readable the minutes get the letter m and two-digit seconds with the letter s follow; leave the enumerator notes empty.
1h05
